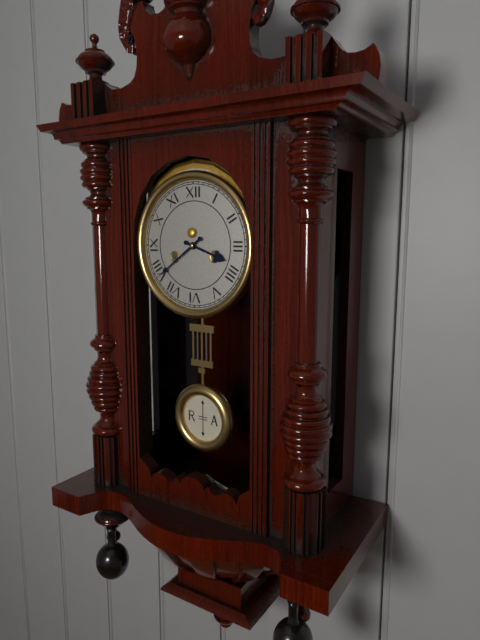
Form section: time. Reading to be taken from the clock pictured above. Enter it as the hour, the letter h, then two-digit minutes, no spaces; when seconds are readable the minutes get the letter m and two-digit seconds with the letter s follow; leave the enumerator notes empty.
3h39
